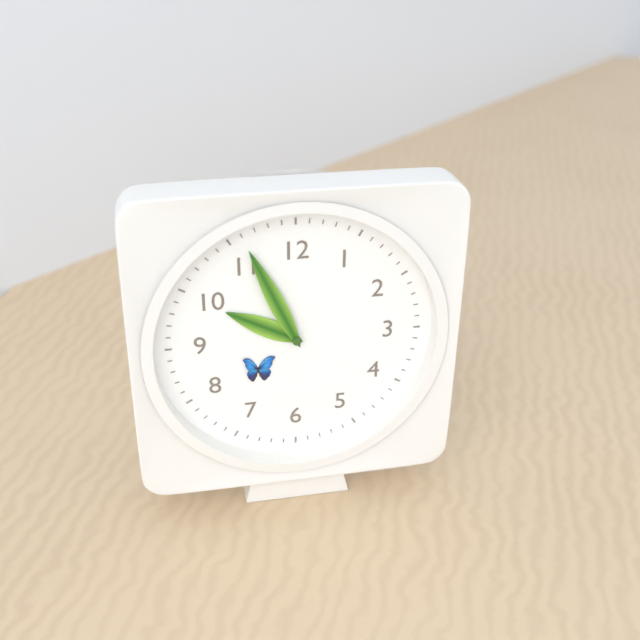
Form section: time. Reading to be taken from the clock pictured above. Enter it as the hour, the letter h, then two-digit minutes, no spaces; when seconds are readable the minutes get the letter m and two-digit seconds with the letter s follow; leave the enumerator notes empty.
9h56
